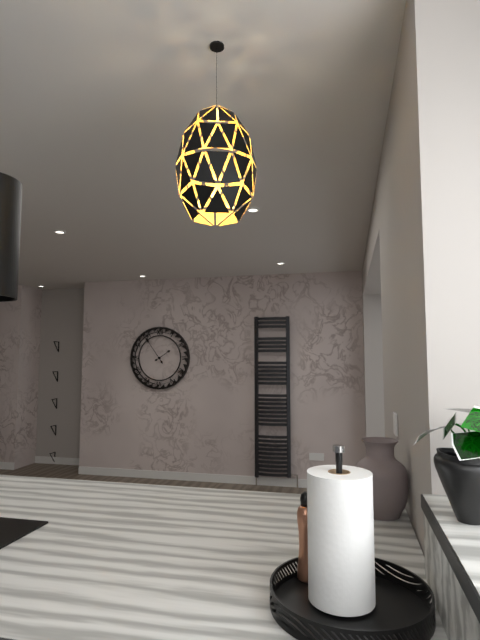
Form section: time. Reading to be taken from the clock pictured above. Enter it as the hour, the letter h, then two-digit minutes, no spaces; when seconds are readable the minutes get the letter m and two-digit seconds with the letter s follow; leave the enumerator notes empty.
1h54
